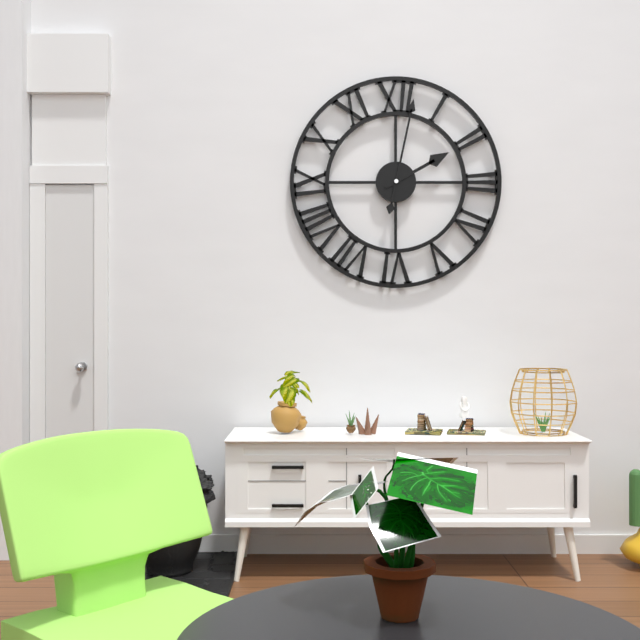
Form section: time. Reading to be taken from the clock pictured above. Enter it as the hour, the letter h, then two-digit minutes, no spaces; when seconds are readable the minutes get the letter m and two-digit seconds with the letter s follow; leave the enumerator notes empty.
2h02
